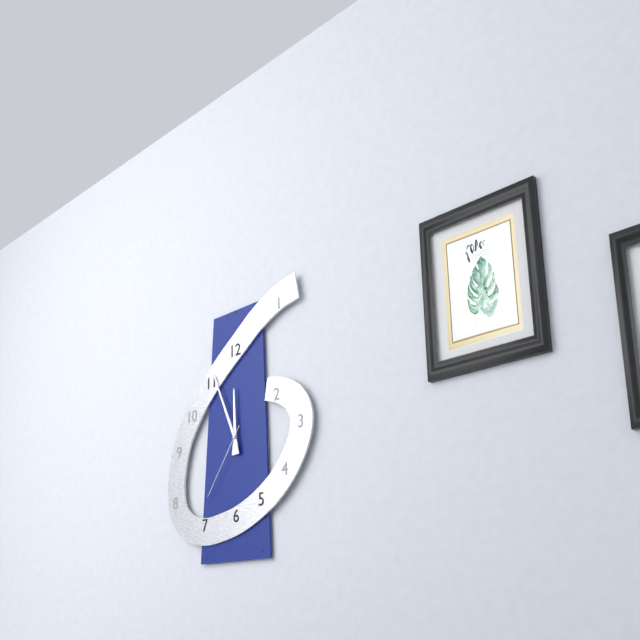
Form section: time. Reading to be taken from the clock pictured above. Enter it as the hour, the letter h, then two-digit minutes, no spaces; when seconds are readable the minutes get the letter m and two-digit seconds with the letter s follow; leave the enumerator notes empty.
11h56m36s
